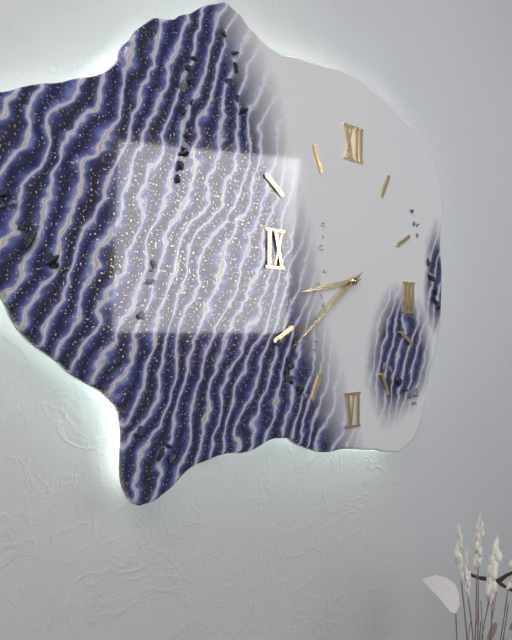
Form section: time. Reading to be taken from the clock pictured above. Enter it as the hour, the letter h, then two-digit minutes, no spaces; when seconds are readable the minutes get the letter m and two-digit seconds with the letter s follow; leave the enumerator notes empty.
8h39
